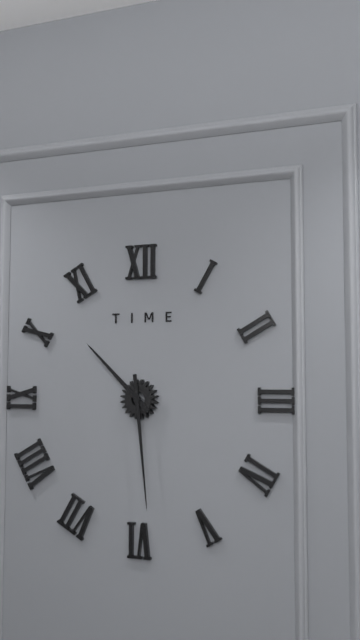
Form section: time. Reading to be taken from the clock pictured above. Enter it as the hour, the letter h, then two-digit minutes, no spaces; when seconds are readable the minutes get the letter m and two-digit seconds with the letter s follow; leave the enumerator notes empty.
10h29
